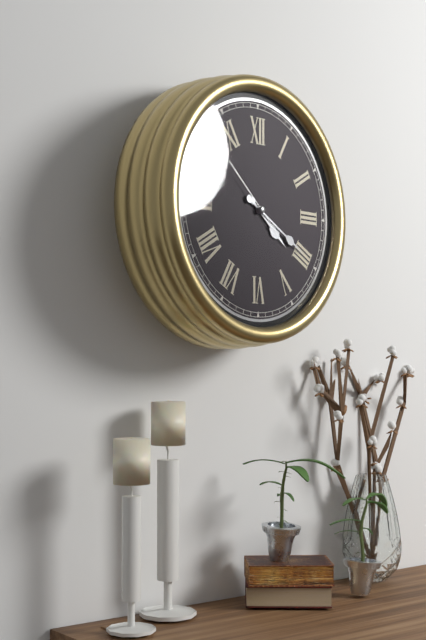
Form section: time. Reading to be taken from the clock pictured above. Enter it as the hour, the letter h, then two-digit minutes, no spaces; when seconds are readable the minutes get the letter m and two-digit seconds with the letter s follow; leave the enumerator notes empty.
4h20m52s
